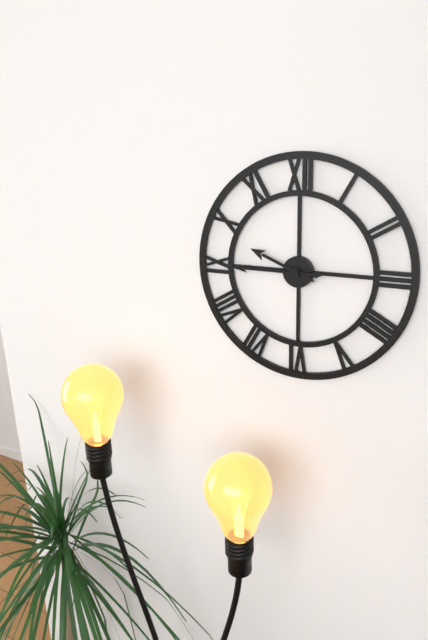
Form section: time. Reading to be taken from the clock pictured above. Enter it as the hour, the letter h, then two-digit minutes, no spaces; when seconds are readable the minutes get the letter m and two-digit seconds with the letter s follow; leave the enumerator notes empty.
9h45
